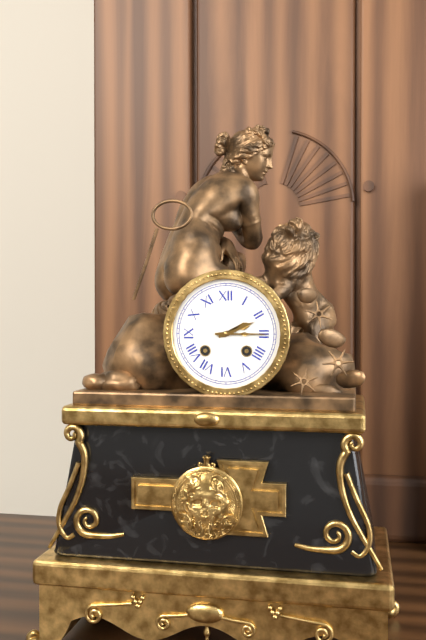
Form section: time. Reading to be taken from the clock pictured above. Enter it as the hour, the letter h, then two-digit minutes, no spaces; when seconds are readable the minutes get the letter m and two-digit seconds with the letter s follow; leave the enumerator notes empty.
2h15
